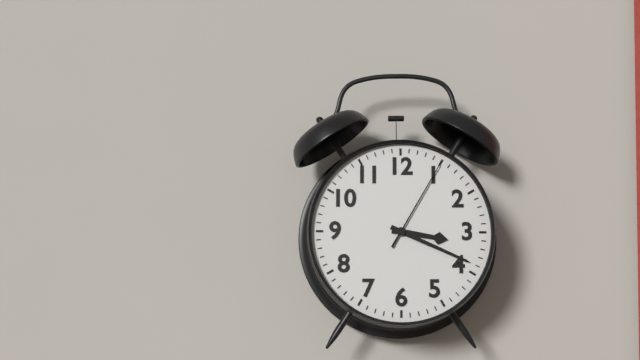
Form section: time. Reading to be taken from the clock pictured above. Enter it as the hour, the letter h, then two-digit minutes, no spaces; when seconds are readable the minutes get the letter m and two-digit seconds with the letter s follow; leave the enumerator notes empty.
3h19m05s
